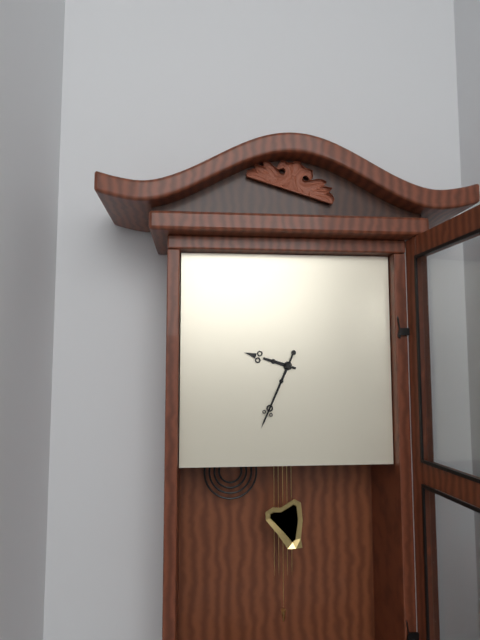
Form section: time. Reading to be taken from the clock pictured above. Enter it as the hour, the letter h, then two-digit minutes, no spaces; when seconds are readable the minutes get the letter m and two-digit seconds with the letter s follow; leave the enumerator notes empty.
9h34
